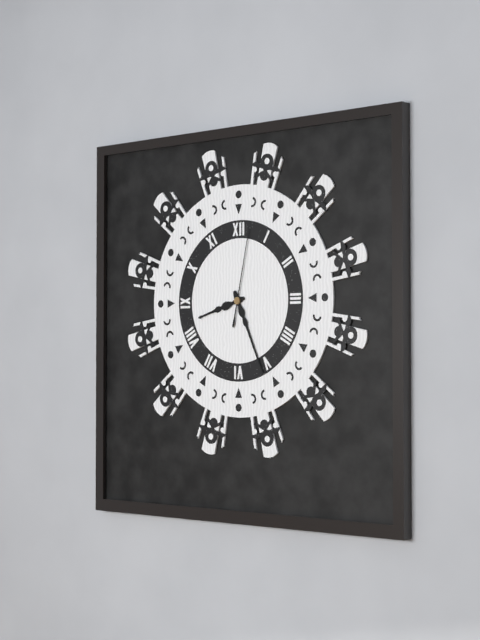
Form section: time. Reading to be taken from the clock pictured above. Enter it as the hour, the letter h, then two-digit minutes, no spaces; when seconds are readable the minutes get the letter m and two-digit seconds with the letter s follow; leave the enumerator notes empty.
8h26m02s
